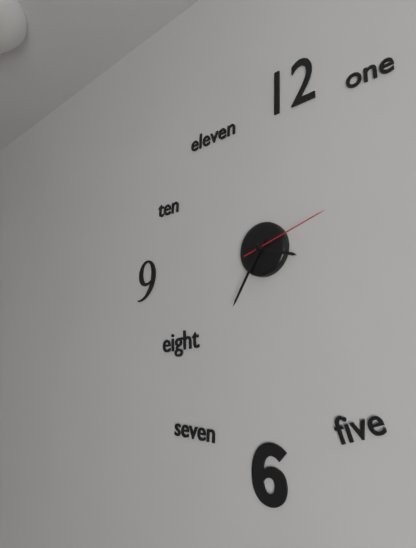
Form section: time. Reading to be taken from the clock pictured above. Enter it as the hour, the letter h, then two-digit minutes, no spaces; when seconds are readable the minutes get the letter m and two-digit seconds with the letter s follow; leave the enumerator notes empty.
3h35m12s
